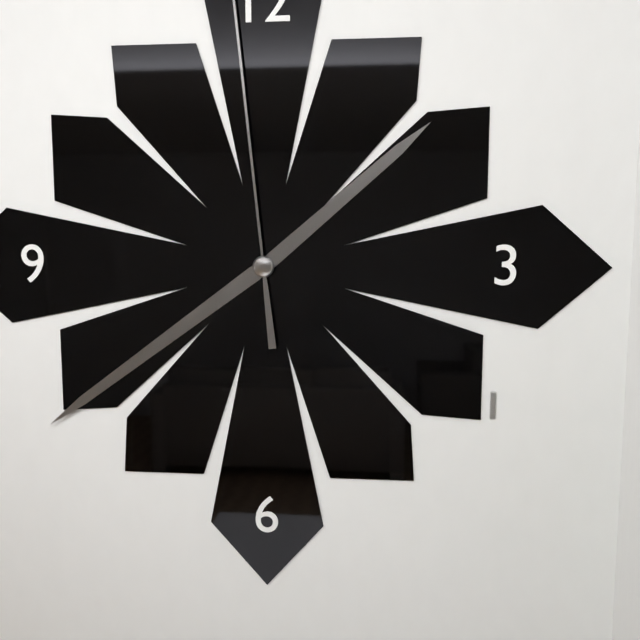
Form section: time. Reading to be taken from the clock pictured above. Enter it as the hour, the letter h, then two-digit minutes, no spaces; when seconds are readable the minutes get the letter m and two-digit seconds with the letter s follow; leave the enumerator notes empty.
1h39
